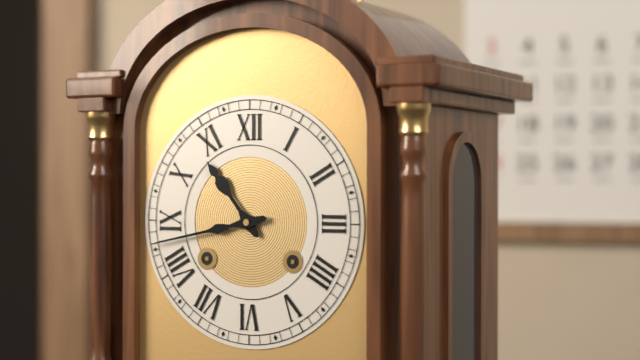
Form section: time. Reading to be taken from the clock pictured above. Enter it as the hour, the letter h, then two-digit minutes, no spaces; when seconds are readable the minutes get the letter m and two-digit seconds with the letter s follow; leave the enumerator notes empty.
10h43
